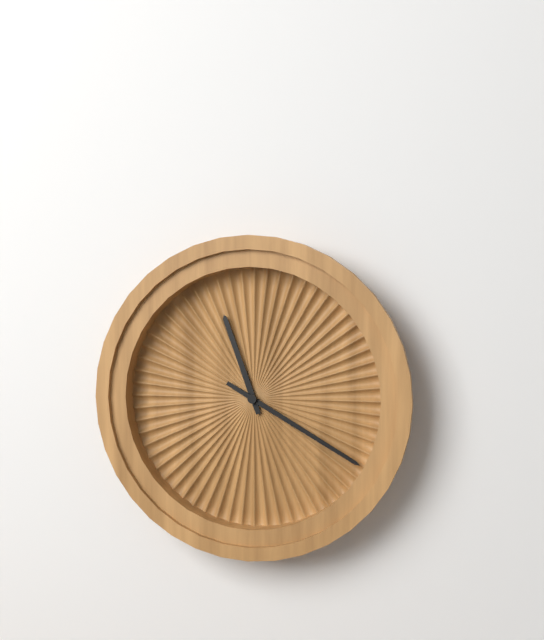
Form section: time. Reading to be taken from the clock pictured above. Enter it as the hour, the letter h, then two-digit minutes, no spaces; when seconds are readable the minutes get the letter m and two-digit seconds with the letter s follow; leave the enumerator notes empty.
11h20
